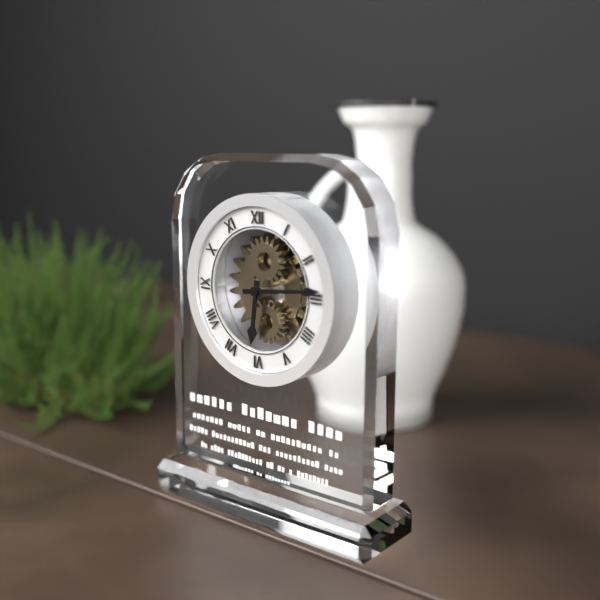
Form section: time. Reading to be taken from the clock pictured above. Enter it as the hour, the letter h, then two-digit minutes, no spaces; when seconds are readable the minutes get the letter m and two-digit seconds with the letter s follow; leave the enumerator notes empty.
6h14
